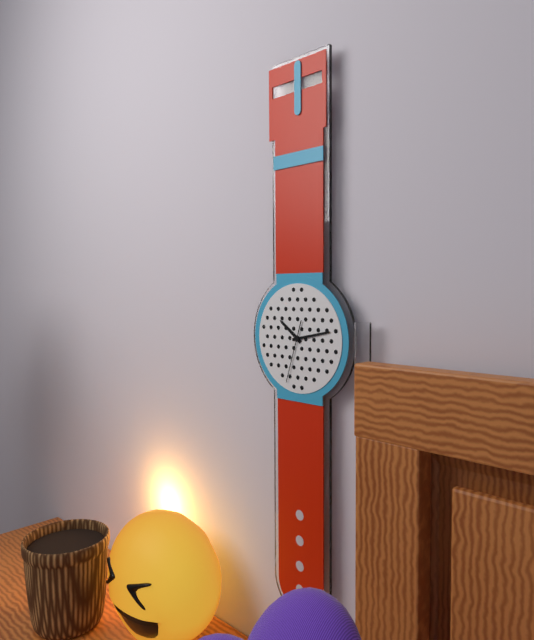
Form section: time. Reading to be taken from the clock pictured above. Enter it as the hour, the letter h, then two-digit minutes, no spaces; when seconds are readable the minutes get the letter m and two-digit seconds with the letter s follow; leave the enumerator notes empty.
10h13m33s
